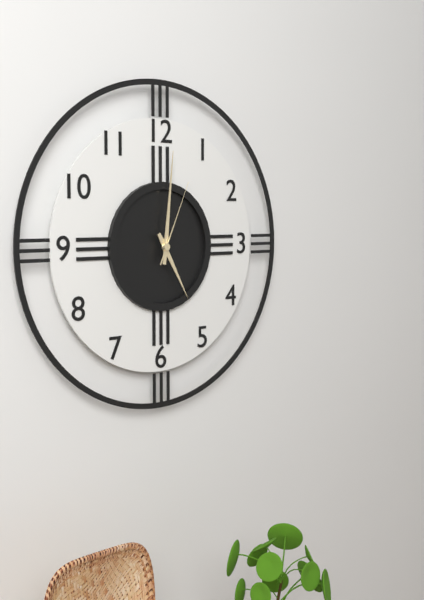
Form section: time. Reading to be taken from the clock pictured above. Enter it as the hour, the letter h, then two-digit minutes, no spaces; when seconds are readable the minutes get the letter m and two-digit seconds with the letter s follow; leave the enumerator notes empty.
5h01m04s
